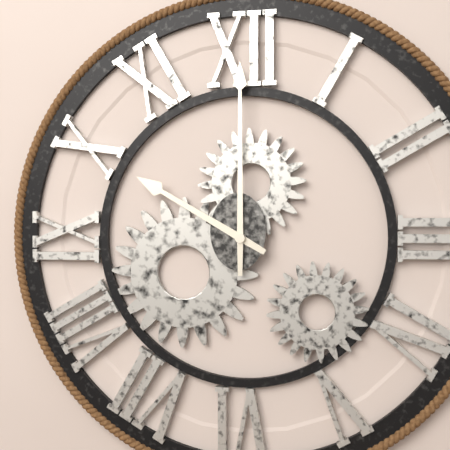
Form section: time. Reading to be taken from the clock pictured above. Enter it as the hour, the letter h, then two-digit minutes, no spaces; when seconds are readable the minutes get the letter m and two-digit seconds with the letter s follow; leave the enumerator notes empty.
10h00
